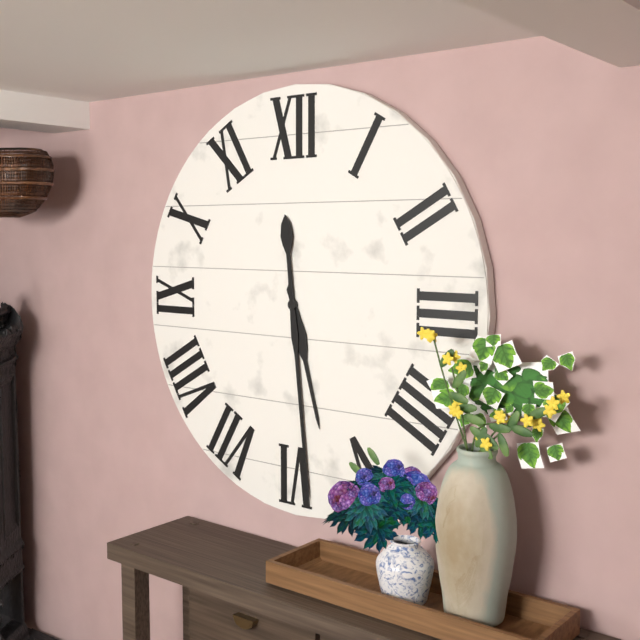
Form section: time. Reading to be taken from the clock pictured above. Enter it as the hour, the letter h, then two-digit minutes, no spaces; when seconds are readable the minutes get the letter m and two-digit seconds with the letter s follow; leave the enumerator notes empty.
5h29
